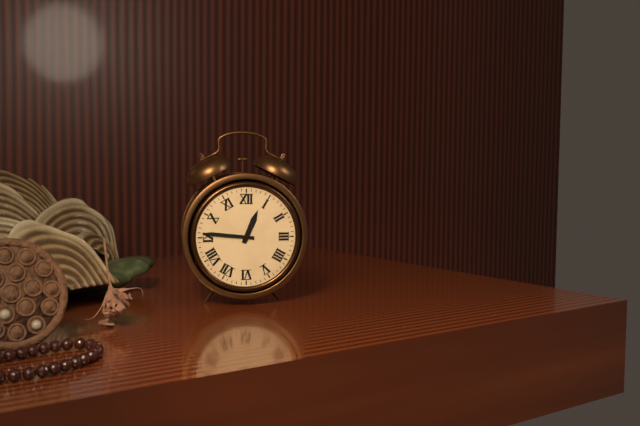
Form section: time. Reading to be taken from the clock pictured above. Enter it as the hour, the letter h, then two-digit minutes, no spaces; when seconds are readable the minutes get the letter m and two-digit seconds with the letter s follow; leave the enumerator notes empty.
12h46
